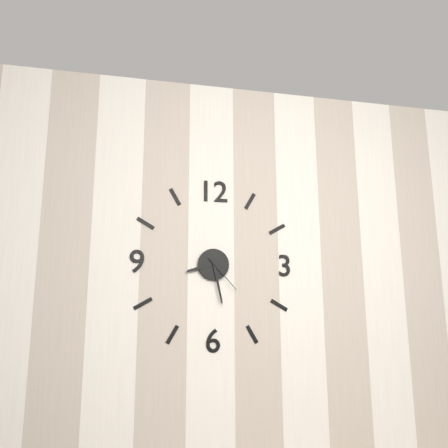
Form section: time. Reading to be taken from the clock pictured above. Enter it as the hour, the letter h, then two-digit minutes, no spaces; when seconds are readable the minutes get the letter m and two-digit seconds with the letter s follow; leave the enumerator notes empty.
8h28
